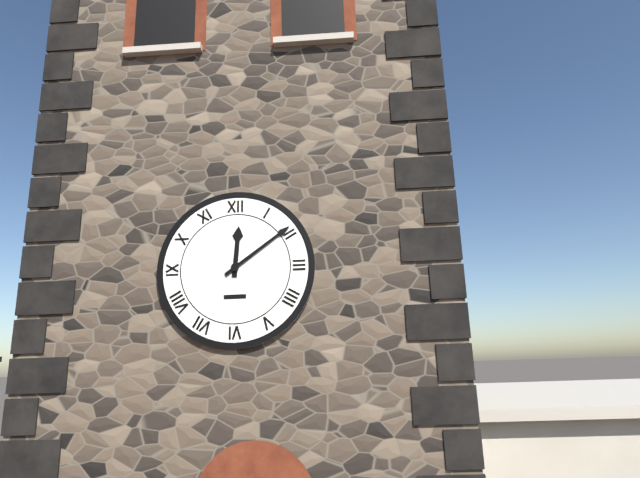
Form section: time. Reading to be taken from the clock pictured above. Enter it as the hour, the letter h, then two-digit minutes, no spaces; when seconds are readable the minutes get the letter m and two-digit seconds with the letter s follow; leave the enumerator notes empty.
12h09
